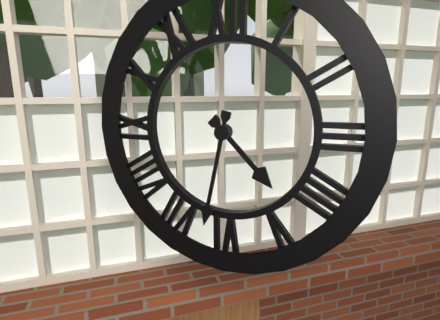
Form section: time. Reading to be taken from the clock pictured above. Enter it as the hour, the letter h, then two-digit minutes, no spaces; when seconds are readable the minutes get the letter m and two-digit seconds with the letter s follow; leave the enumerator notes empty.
4h32
